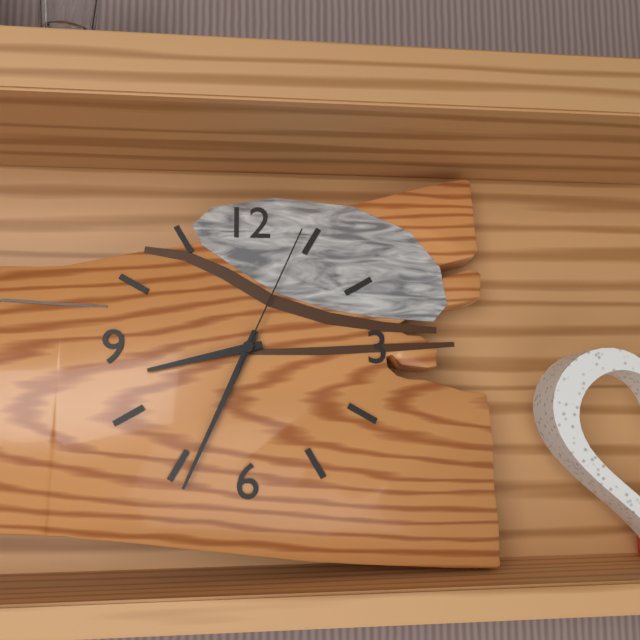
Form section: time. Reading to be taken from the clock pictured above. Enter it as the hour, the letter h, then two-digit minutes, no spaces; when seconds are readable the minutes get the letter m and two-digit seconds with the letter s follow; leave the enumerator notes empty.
8h34m04s
